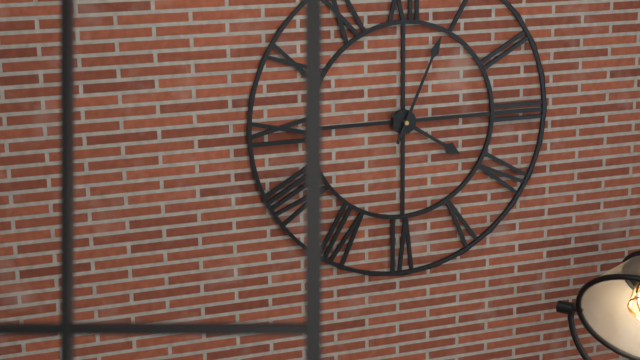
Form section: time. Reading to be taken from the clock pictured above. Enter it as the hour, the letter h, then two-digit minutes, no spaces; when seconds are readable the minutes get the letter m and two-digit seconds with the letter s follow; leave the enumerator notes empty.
4h04
